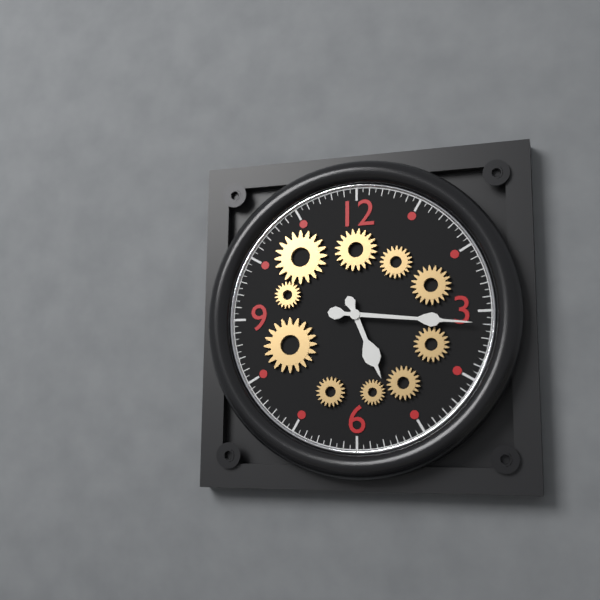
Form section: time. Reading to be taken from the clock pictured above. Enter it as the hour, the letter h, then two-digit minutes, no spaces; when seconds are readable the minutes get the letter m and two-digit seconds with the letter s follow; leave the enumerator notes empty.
5h16
